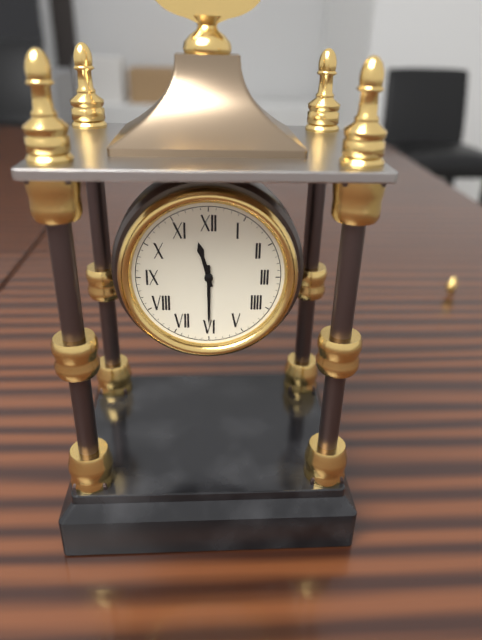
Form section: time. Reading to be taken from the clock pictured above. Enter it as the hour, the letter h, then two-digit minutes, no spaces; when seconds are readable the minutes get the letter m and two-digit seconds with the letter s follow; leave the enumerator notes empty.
11h30
